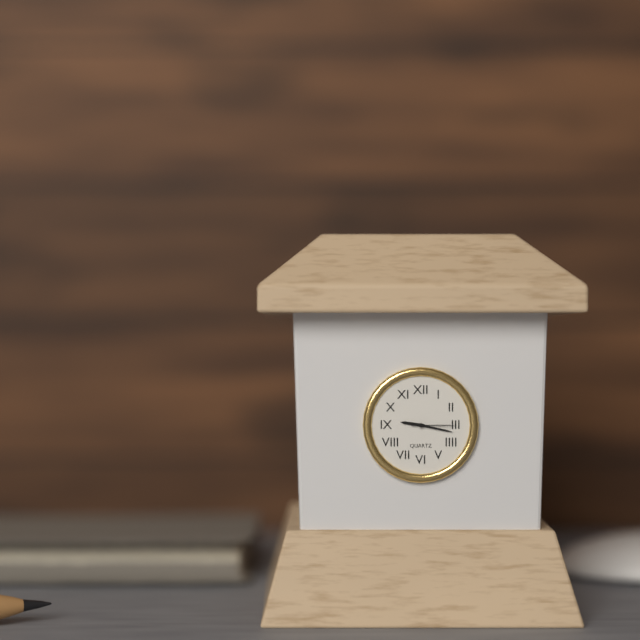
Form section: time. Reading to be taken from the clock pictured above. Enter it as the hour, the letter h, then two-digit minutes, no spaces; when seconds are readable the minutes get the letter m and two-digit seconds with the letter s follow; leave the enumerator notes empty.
9h17
